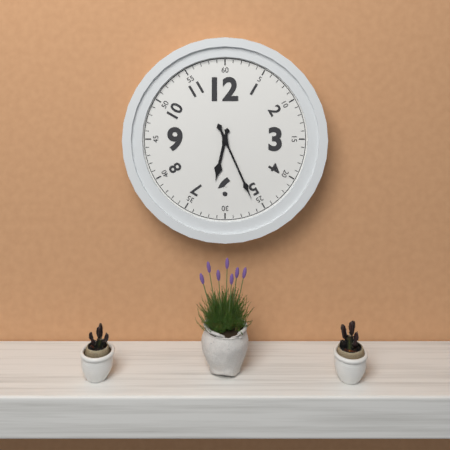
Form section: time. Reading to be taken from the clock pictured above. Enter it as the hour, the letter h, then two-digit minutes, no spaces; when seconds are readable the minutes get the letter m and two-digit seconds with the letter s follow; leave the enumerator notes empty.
6h26
